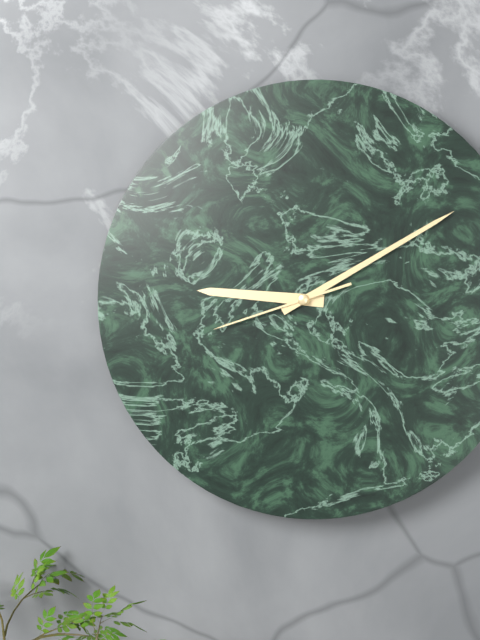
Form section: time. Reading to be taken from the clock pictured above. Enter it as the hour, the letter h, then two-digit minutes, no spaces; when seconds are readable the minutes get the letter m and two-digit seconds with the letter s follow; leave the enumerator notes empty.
9h10m42s
